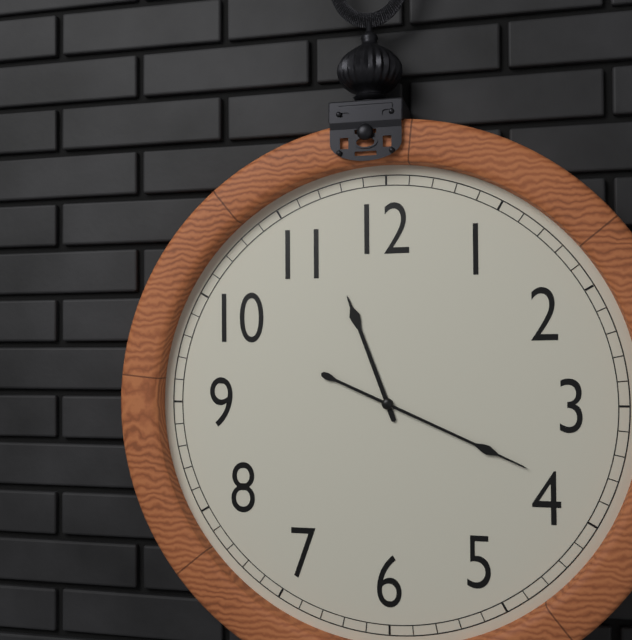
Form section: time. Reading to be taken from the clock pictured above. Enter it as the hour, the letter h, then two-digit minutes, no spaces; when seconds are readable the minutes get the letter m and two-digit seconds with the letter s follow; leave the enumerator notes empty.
11h19
